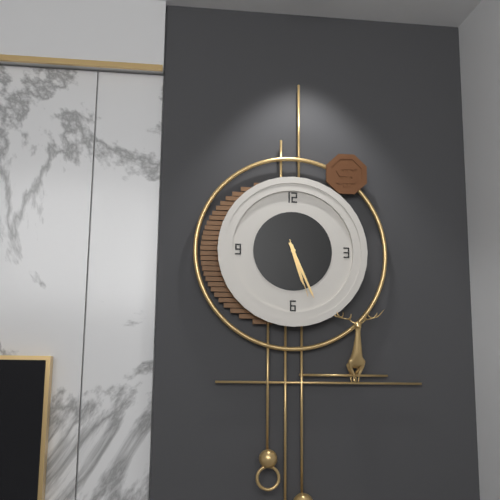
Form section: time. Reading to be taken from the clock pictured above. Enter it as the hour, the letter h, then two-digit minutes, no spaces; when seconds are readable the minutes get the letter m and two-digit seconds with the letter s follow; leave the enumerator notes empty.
5h26m27s
